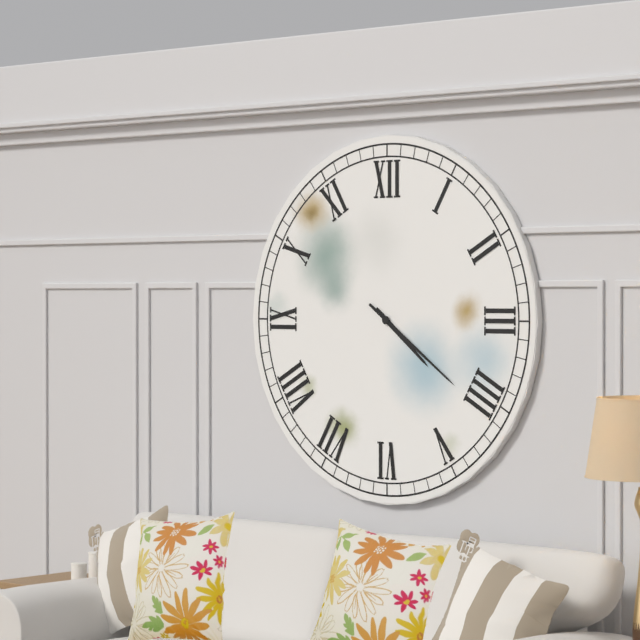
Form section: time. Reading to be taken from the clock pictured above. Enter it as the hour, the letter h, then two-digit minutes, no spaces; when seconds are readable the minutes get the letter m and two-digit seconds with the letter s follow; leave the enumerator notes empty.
4h21
